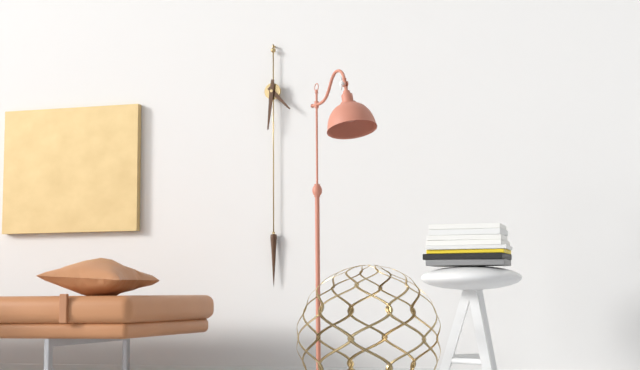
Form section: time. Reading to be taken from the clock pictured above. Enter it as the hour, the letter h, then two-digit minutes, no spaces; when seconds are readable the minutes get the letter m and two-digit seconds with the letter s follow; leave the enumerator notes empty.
4h31
